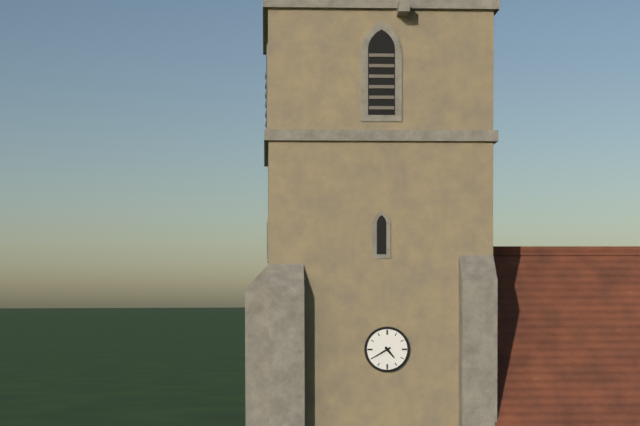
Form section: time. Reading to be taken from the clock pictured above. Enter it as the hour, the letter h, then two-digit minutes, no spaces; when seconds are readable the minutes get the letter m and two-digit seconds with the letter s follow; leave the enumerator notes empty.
4h40
